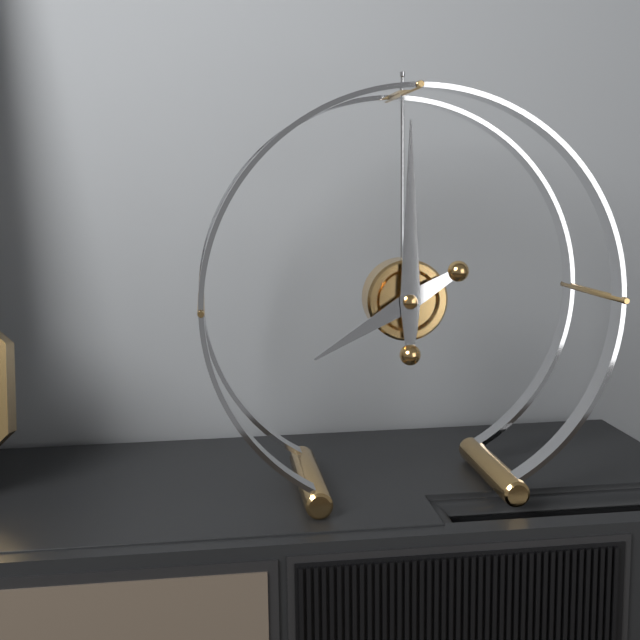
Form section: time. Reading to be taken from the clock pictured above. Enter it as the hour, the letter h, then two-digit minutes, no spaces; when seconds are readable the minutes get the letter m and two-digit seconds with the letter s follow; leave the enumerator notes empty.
8h00
